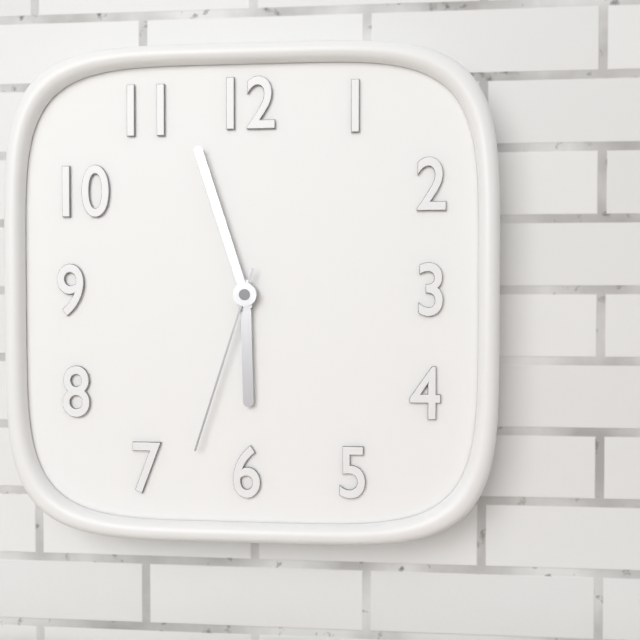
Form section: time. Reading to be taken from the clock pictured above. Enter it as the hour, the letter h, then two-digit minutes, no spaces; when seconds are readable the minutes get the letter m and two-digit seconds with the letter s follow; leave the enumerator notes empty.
5h57m33s
